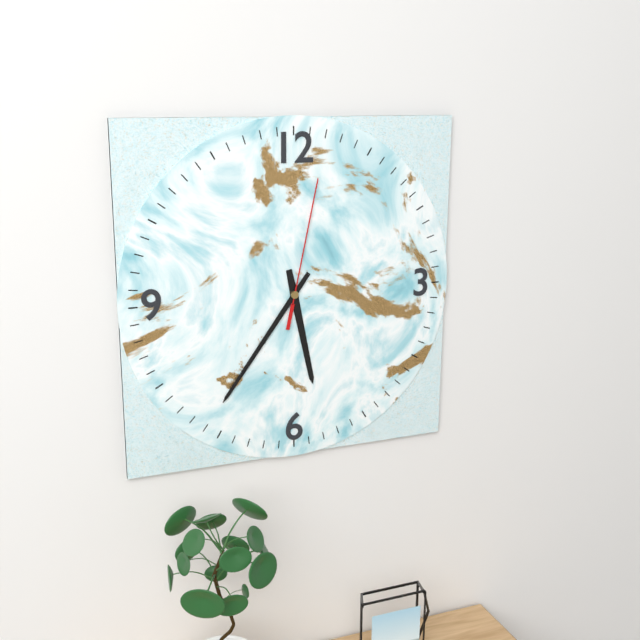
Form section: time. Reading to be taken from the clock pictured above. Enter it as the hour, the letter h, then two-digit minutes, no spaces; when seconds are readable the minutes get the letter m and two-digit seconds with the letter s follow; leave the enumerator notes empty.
5h36m02s
